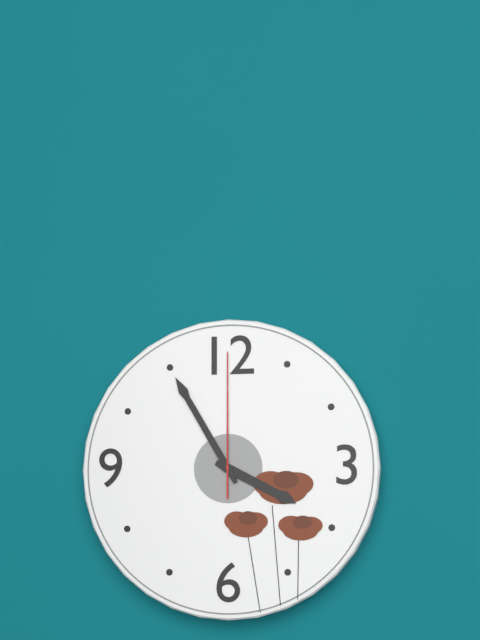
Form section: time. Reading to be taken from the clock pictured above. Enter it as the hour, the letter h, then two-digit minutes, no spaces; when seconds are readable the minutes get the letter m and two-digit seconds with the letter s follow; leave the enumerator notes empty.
3h55m00s
